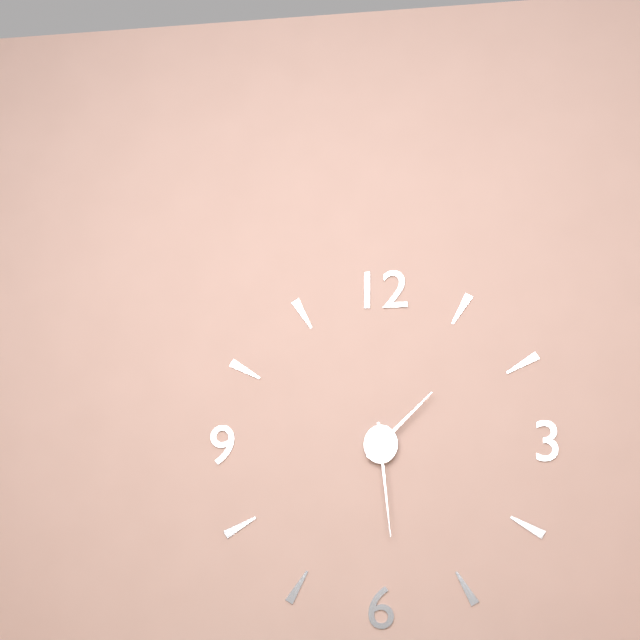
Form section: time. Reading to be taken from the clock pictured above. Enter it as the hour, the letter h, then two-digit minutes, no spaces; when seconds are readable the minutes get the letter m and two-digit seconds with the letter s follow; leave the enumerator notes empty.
1h29
